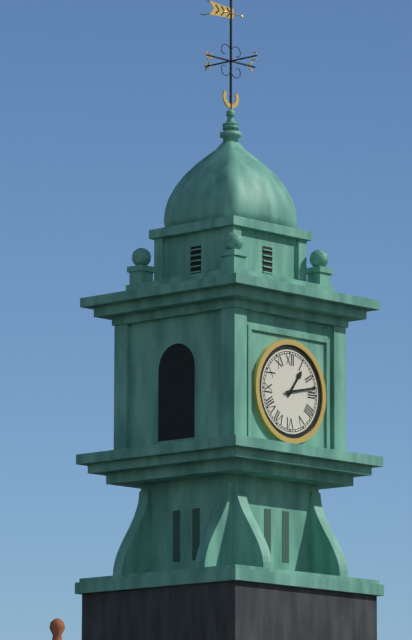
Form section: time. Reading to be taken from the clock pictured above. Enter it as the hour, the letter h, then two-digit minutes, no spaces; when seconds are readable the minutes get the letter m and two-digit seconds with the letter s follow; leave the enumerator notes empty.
1h13
